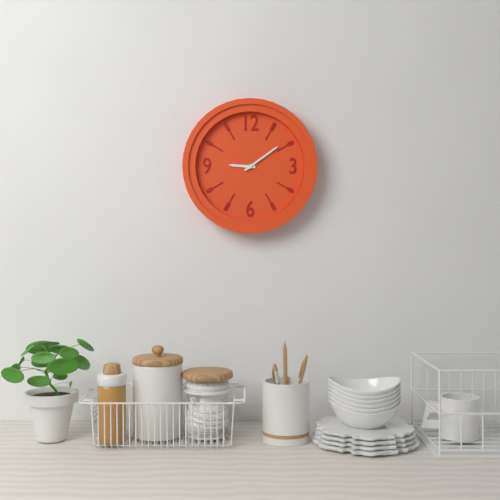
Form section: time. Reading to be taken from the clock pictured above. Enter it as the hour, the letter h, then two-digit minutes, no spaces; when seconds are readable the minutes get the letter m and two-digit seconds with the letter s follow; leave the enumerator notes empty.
9h09
